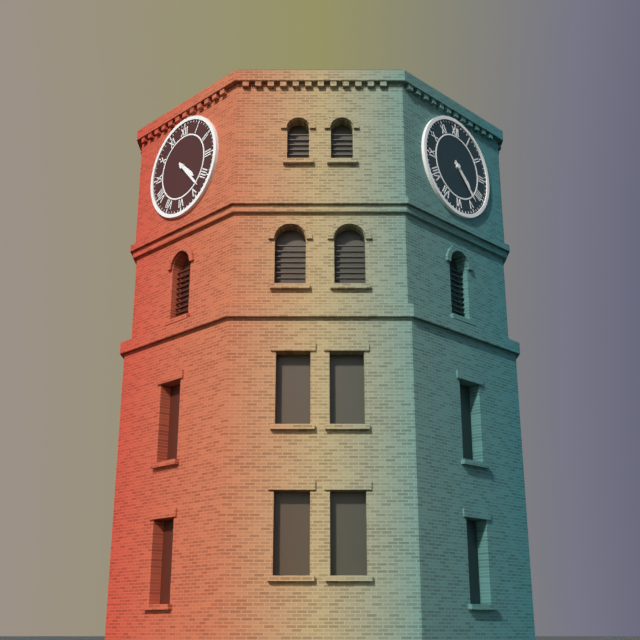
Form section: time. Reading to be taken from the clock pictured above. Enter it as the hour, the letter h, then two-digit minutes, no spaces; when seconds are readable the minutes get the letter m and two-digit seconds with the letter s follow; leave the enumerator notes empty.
4h23
